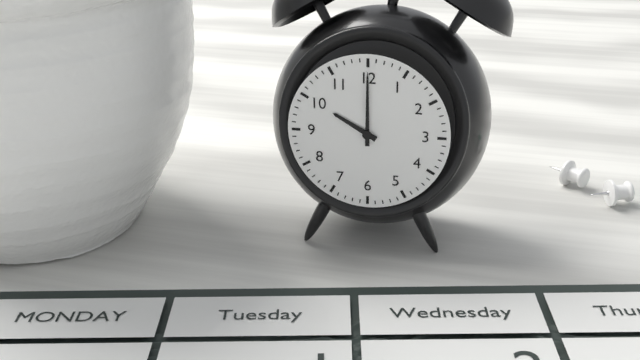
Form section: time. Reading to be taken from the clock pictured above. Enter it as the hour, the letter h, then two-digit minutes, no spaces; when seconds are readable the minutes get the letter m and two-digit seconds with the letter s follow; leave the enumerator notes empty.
10h00
